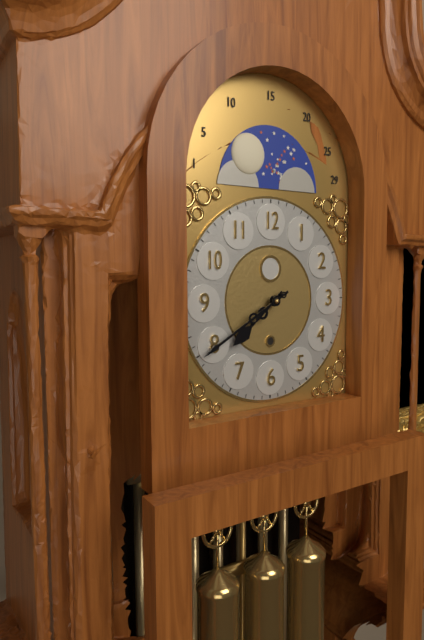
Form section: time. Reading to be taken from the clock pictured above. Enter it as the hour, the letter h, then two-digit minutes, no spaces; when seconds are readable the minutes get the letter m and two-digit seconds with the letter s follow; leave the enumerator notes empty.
7h40
